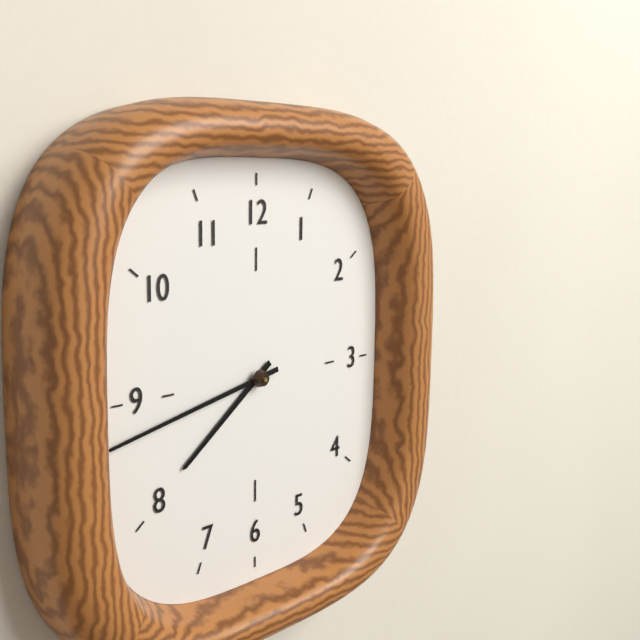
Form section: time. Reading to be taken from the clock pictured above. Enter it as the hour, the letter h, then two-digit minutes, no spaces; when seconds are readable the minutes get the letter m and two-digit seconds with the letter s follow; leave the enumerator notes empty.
7h43
